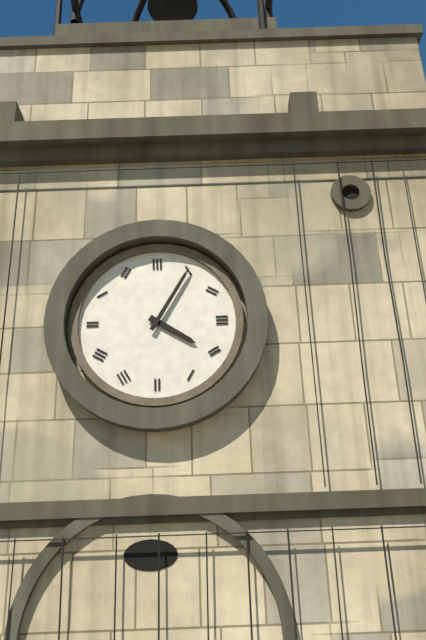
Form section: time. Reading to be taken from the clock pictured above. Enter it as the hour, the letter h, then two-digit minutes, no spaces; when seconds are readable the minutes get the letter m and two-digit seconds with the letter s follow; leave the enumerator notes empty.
4h05
